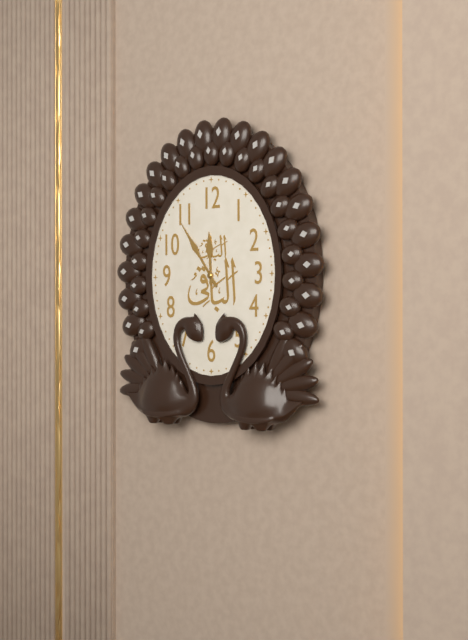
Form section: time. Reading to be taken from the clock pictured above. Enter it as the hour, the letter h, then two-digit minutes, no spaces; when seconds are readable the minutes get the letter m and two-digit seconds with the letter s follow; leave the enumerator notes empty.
11h54
